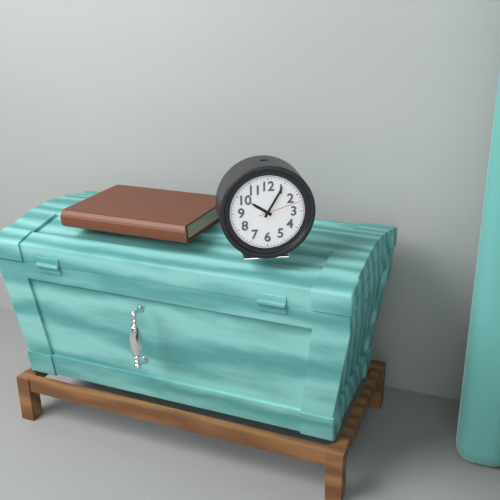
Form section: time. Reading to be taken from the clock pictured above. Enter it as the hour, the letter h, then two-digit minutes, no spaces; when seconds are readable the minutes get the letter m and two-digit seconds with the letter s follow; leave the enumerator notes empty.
10h05
